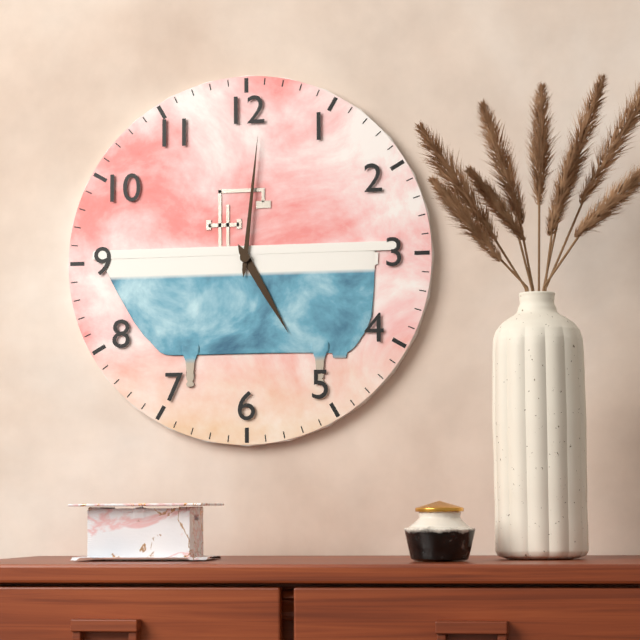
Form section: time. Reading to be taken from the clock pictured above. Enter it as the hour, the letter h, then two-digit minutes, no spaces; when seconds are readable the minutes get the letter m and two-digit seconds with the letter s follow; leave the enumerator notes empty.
5h01
